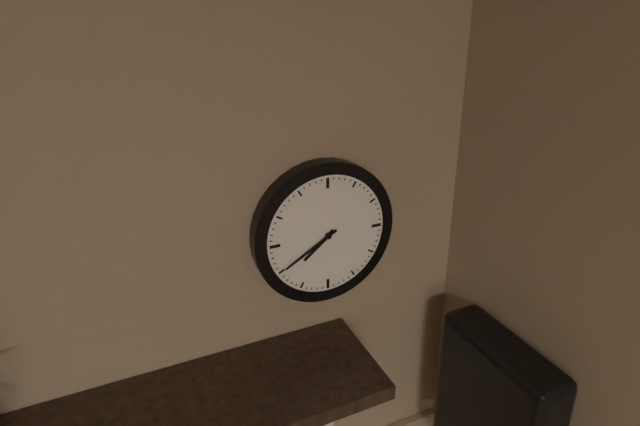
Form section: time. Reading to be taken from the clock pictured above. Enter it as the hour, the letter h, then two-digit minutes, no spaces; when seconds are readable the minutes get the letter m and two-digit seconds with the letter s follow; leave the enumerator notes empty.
7h40
